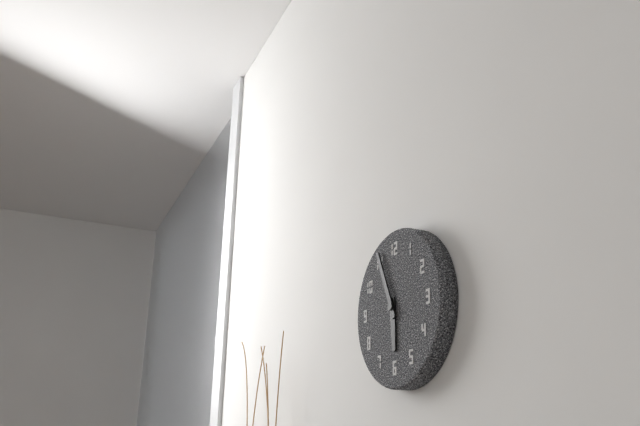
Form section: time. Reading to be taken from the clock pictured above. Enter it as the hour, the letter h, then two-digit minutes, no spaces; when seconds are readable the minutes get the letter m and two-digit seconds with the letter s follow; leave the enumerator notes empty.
5h56
